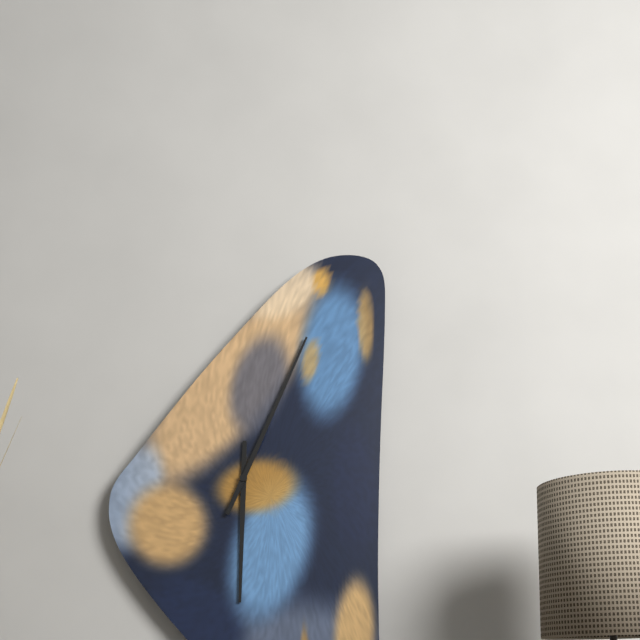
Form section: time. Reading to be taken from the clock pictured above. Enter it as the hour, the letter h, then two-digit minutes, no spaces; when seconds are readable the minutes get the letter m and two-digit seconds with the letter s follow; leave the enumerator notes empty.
6h04
